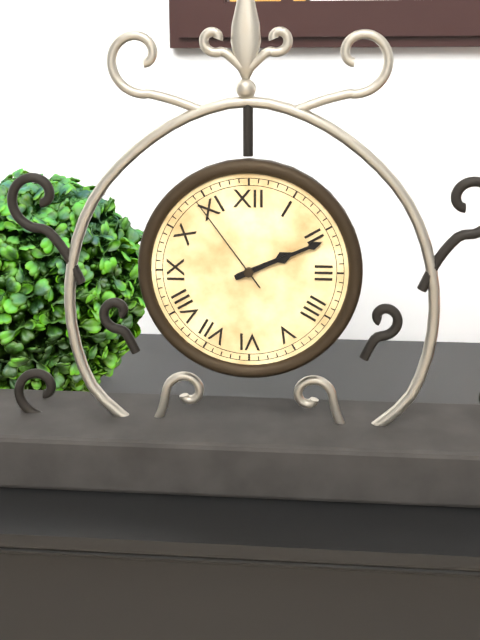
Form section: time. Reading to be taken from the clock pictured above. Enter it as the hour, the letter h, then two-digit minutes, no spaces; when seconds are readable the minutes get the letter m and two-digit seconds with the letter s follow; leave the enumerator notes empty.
2h11m54s
